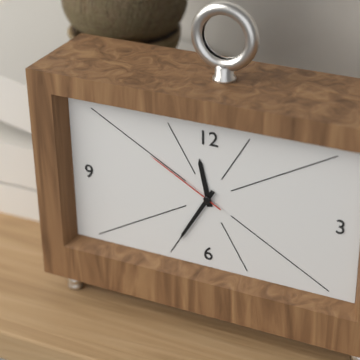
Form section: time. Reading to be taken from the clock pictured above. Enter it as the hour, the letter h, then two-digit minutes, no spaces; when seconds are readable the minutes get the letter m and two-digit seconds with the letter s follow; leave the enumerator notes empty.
11h35m50s
